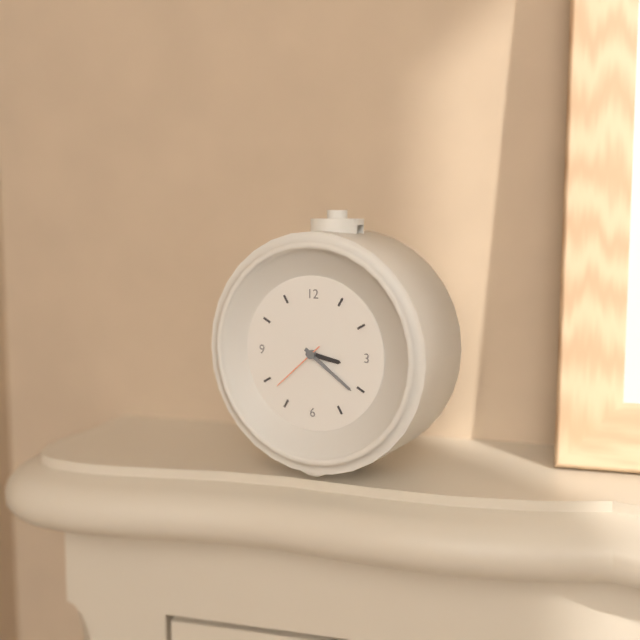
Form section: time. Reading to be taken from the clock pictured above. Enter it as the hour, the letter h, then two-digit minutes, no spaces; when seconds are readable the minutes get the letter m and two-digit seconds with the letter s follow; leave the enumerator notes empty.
3h21m38s
